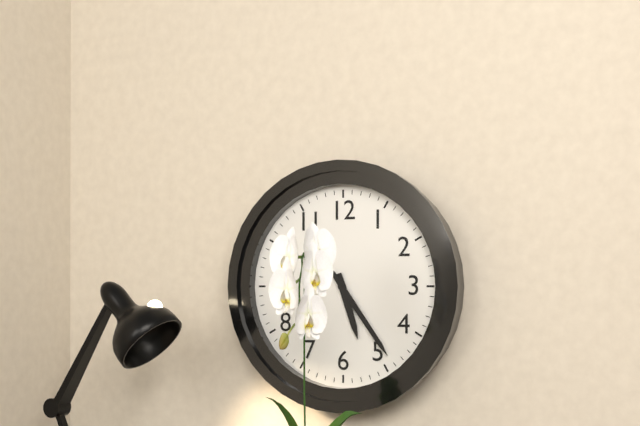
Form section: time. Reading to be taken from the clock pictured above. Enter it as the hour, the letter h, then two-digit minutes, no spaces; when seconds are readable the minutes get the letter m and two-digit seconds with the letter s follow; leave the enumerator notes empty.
5h24
